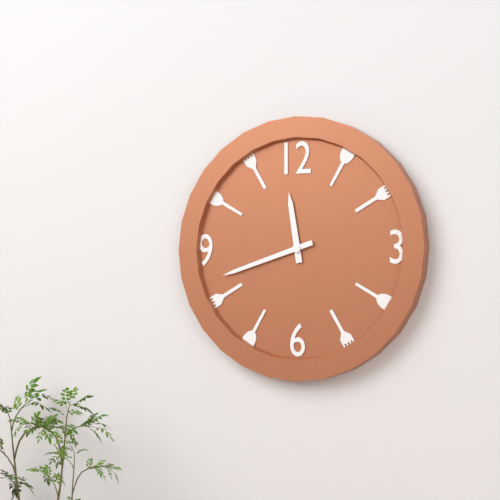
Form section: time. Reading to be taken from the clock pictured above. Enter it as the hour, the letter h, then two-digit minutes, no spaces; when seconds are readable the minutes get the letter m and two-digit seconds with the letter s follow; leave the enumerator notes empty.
11h42
